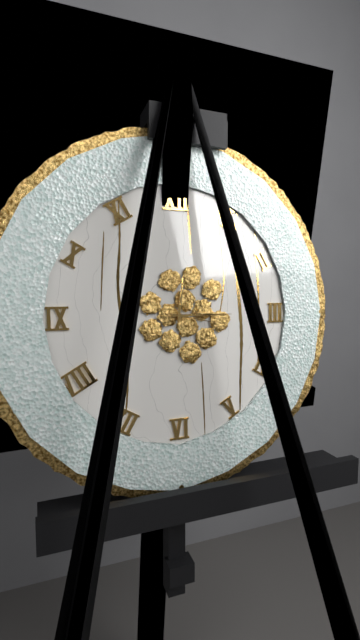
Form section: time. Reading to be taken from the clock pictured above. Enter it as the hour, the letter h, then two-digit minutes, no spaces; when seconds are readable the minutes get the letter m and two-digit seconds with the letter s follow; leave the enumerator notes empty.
12h15m17s
